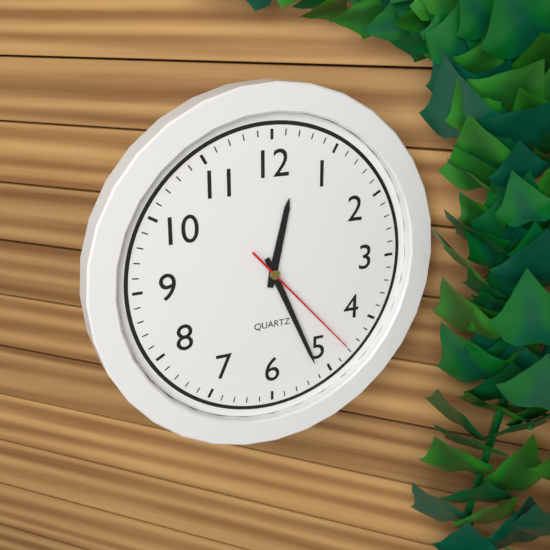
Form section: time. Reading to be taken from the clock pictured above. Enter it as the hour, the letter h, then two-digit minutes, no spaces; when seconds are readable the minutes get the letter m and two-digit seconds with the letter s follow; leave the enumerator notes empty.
12h26m23s
